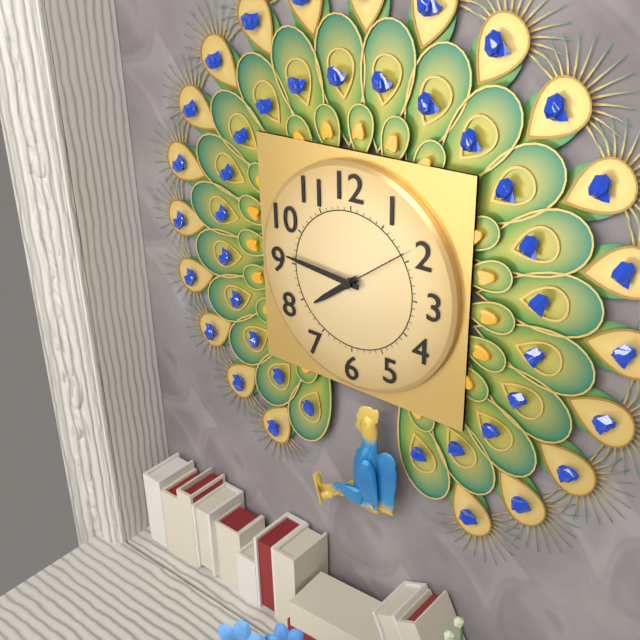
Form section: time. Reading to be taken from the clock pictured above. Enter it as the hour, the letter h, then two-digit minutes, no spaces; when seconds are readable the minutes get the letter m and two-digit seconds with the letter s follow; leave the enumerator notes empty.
7h46
